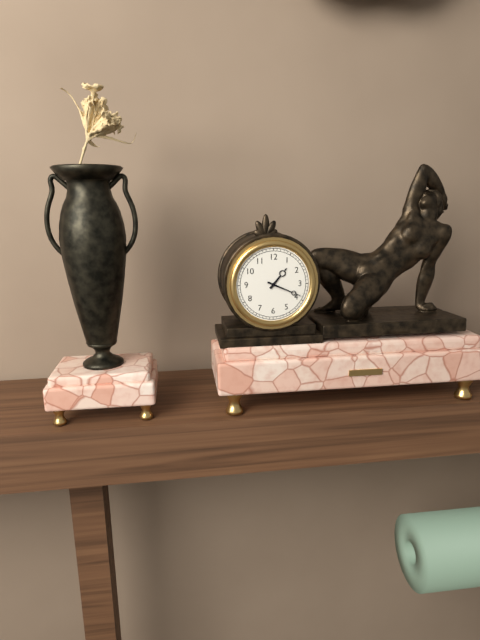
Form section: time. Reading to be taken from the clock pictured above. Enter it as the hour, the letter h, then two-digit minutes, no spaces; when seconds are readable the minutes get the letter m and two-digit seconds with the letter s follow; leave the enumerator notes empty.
1h19
